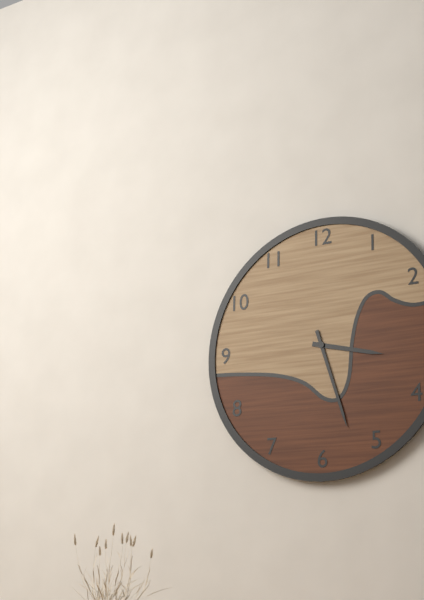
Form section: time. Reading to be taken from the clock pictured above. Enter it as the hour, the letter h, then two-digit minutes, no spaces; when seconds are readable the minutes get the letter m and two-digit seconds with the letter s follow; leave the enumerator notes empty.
3h27
